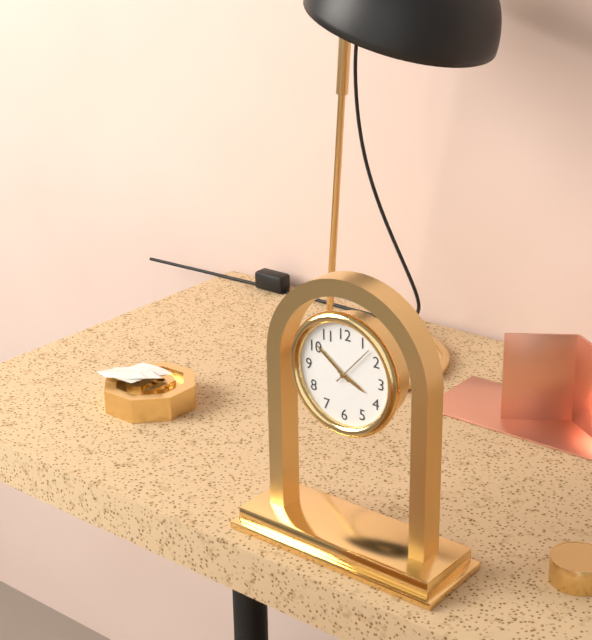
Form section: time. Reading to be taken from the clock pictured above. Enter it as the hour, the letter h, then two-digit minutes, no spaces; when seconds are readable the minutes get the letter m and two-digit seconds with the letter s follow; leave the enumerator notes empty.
3h51
